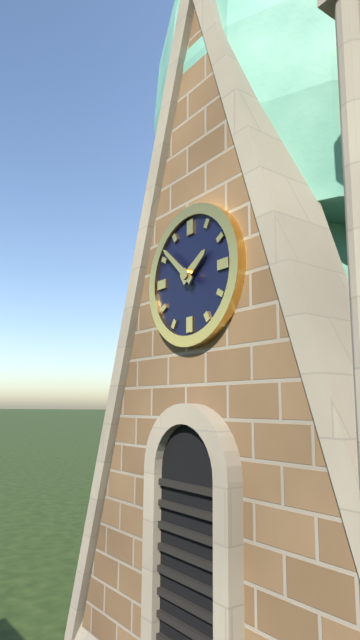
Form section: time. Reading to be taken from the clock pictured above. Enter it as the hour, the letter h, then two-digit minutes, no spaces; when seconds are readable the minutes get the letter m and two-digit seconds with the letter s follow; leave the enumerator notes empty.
1h52
